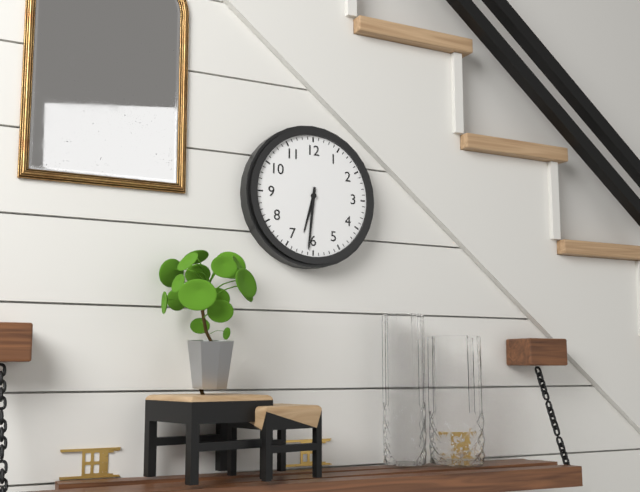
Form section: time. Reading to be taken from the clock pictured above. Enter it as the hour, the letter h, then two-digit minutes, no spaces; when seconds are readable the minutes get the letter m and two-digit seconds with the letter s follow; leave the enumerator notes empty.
6h31
